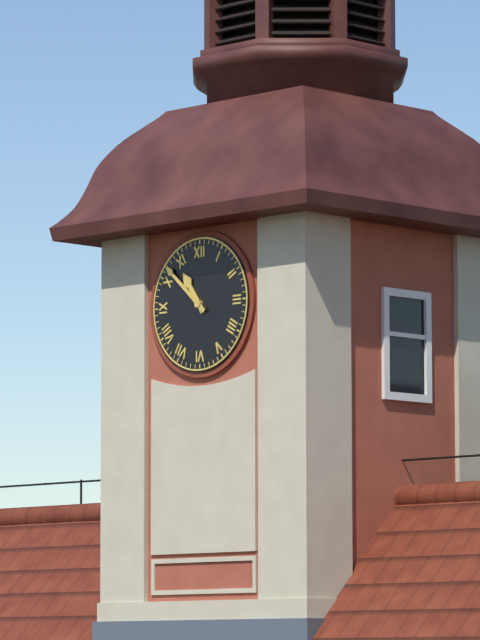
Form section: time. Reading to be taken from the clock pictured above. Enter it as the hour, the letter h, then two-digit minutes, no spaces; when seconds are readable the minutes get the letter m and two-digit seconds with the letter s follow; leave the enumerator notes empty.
10h52
